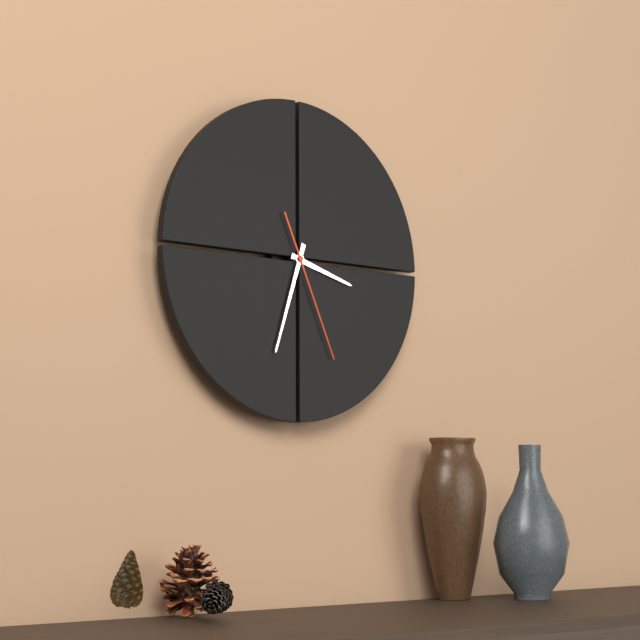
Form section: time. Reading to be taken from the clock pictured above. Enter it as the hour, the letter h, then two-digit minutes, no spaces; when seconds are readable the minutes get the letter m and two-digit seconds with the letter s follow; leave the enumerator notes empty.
3h33m26s
